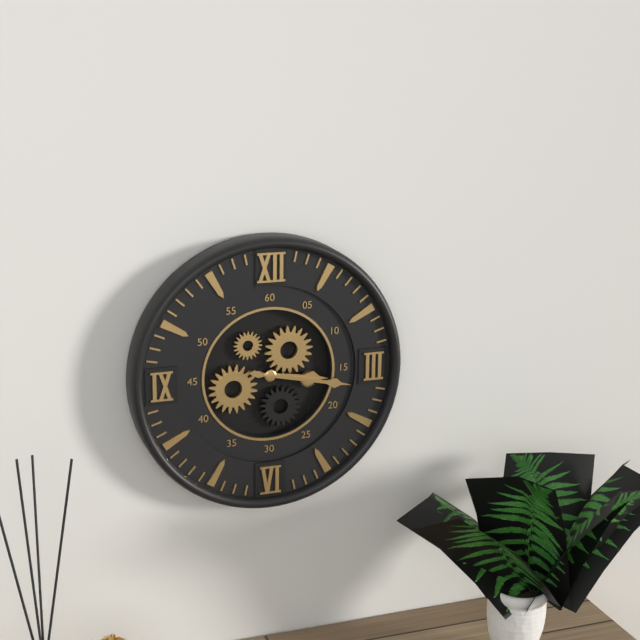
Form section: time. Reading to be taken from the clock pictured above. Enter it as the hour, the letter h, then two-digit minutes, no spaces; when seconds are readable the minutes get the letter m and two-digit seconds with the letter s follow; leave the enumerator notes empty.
3h17
